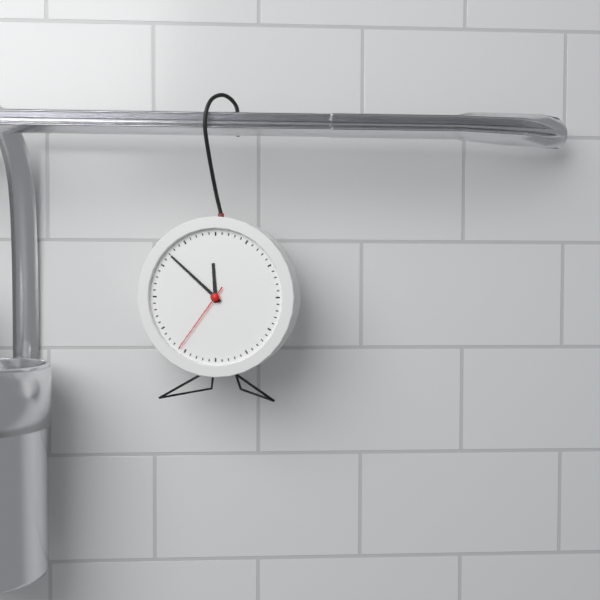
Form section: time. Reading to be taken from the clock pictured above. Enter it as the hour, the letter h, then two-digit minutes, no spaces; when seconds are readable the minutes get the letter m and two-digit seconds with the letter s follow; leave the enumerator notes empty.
11h52m36s
